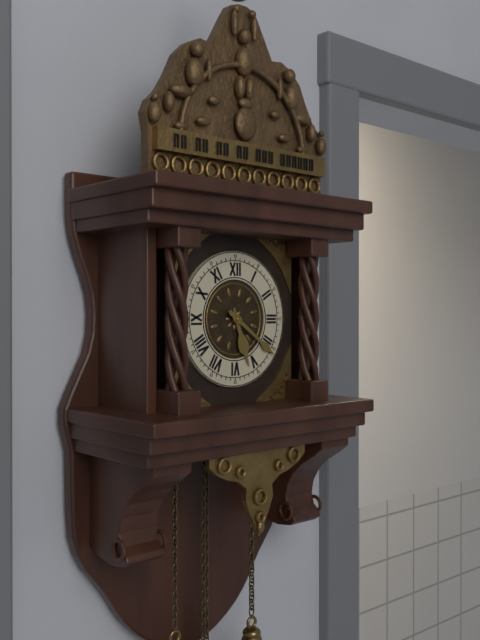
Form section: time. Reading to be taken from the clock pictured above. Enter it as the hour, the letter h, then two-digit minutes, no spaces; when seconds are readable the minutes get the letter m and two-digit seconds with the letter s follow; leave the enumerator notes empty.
5h21
